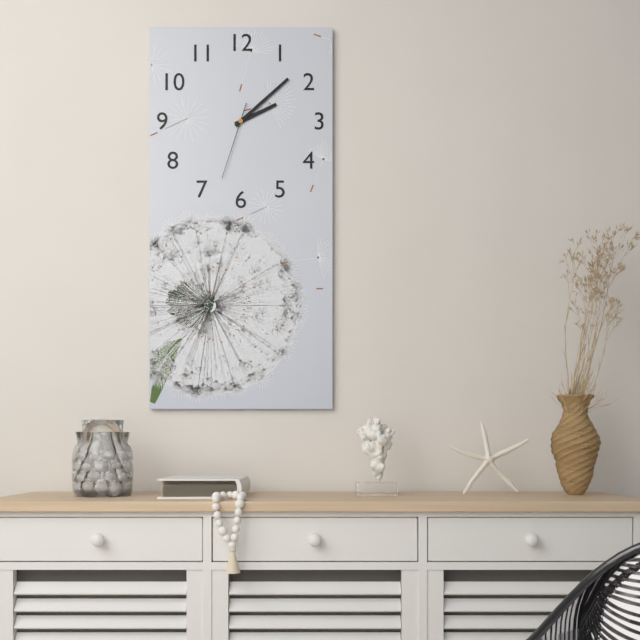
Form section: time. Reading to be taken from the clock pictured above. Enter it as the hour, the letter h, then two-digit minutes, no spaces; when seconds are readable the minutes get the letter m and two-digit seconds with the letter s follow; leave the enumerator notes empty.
2h08m33s
